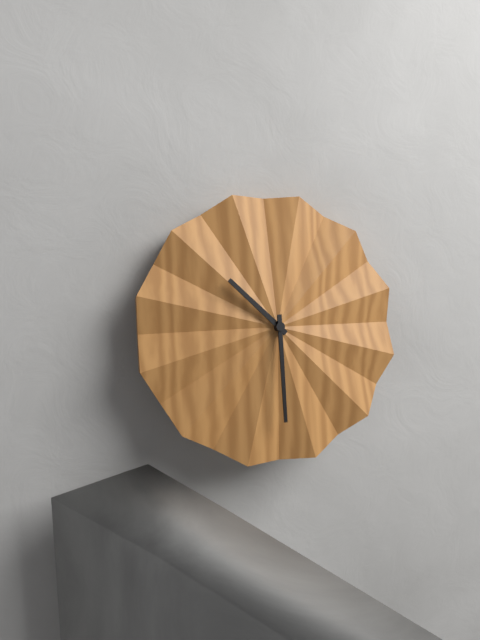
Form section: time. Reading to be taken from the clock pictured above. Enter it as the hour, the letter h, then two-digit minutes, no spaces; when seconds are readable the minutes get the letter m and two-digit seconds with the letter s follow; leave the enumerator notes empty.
10h30
